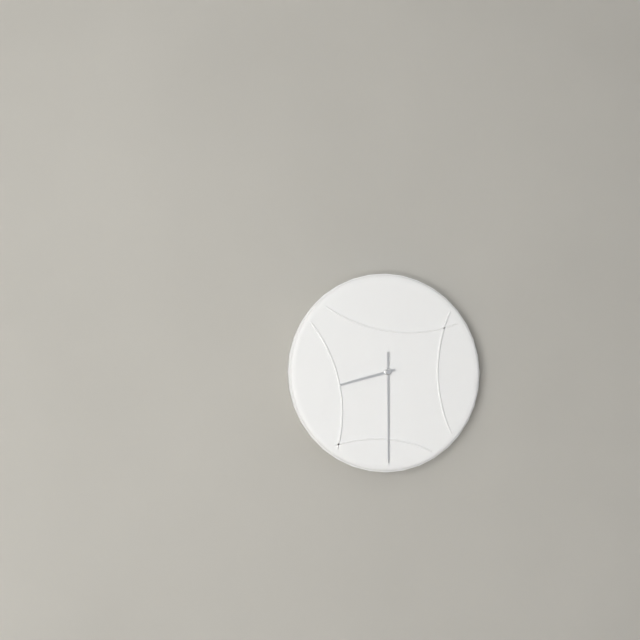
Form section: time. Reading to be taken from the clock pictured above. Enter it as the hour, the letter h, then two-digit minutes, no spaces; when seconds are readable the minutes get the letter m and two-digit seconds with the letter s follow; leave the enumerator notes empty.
8h30
